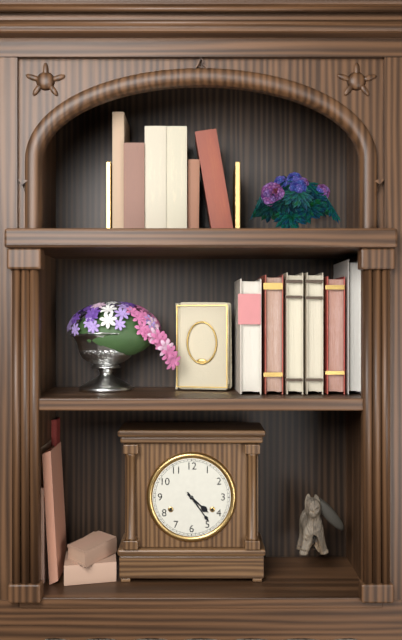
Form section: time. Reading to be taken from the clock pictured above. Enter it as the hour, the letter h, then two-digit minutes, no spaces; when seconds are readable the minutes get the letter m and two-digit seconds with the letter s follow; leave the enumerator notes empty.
4h24
